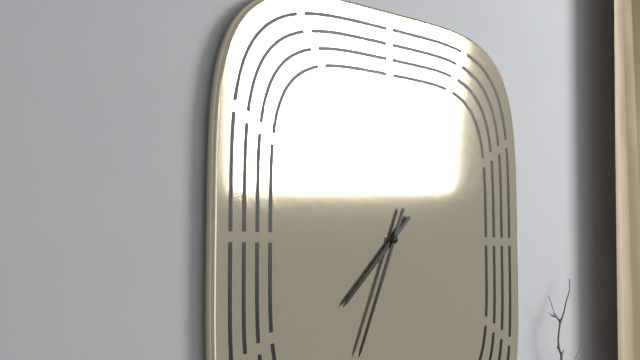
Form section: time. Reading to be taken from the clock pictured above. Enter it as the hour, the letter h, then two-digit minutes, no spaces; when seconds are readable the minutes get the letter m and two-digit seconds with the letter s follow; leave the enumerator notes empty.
7h34
